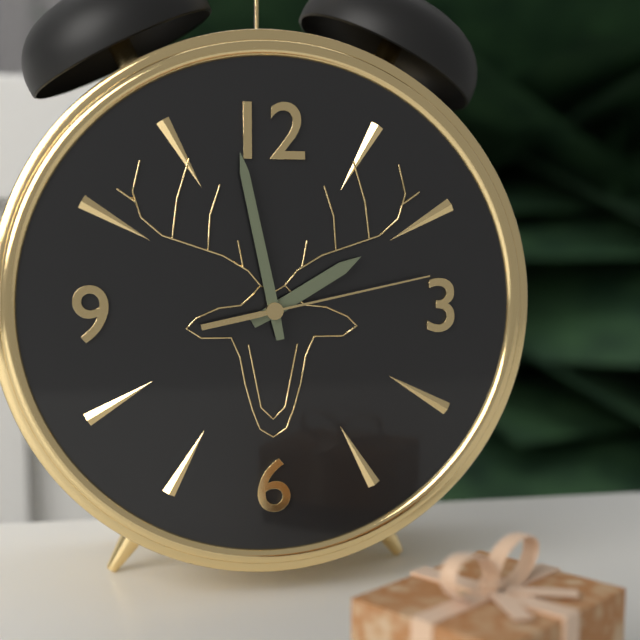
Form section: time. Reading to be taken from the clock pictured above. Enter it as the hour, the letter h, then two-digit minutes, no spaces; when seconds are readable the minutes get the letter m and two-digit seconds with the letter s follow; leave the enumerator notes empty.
1h58m13s
